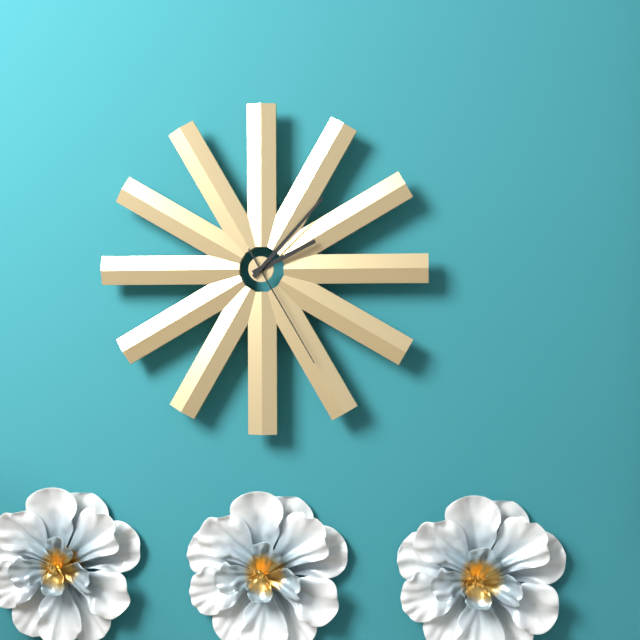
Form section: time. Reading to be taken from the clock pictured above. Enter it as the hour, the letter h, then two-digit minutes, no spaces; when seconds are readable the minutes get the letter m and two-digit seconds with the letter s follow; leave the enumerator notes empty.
2h07m25s
